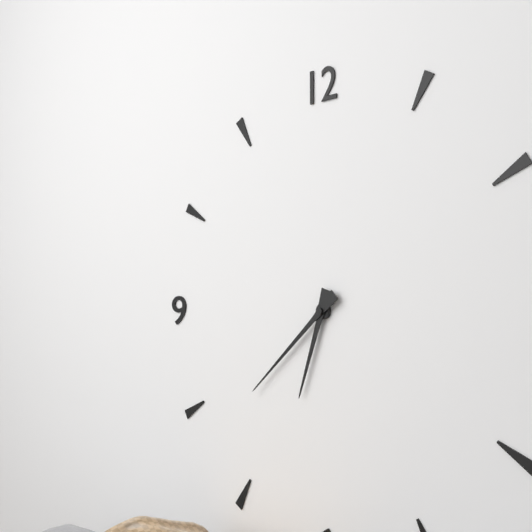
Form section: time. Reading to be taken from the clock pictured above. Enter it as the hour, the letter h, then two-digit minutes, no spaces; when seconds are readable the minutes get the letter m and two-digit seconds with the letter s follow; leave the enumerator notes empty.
6h38
